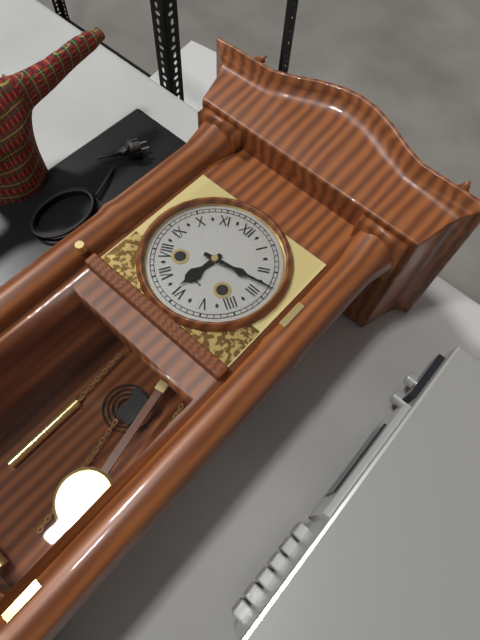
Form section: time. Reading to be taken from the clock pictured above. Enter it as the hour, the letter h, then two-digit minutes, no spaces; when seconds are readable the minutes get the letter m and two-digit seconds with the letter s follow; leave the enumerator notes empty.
6h13
